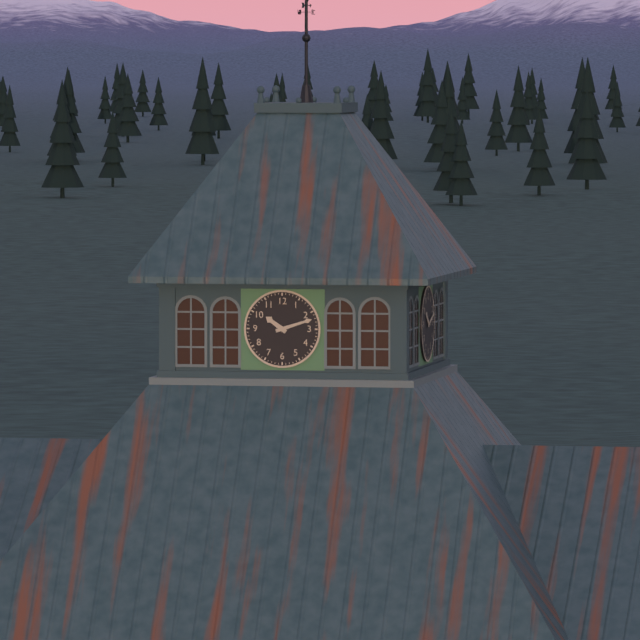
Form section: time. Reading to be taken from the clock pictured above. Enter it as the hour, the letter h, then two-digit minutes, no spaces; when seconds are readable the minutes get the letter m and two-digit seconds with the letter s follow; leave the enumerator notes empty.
10h12
